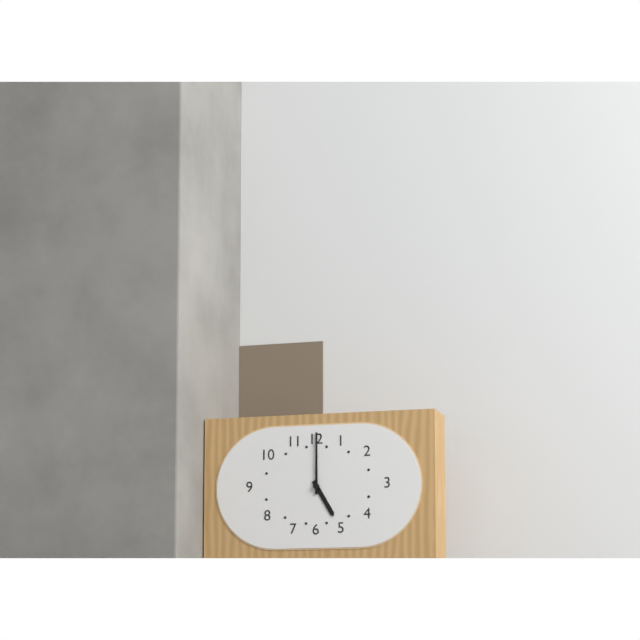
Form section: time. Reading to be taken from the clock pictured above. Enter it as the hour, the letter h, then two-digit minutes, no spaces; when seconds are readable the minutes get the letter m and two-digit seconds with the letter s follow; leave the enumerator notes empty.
5h00
